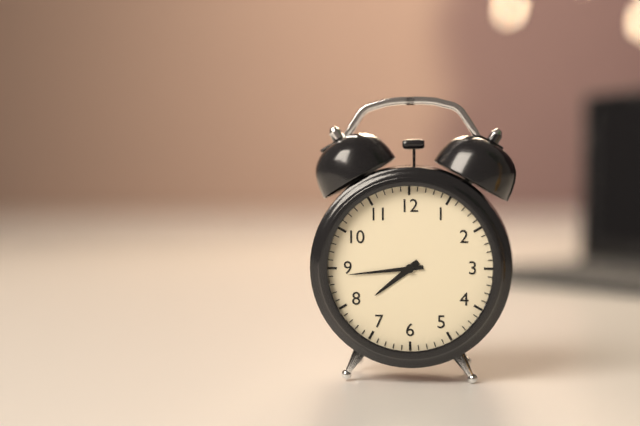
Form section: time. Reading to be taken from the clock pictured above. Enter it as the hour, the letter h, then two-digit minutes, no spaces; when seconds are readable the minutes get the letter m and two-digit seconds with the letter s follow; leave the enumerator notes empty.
7h44
